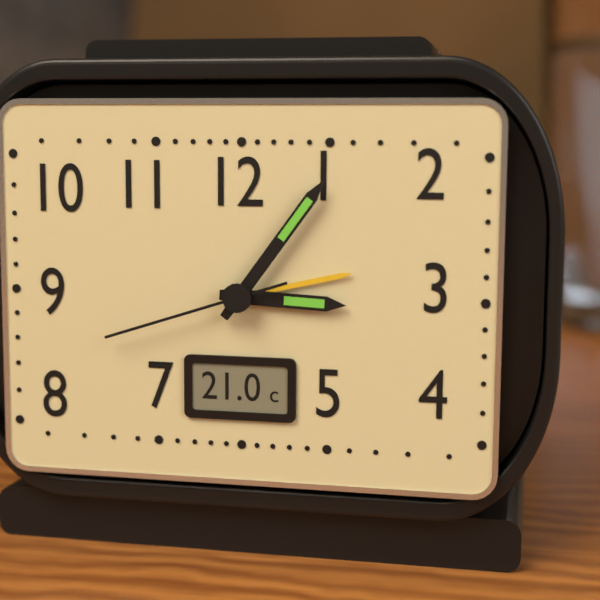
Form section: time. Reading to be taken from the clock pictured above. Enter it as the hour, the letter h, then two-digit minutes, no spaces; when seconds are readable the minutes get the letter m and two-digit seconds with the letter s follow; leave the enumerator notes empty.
3h06m42s
